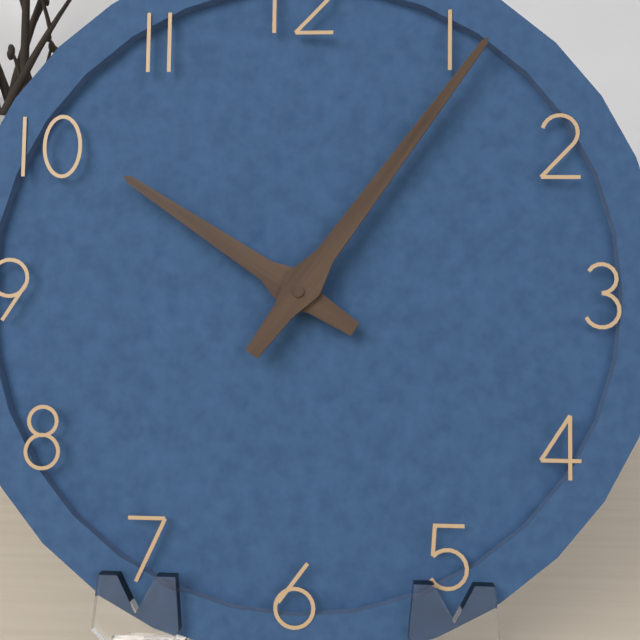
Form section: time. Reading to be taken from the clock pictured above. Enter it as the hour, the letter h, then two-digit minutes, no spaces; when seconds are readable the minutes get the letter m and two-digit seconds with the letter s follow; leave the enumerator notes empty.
10h06
